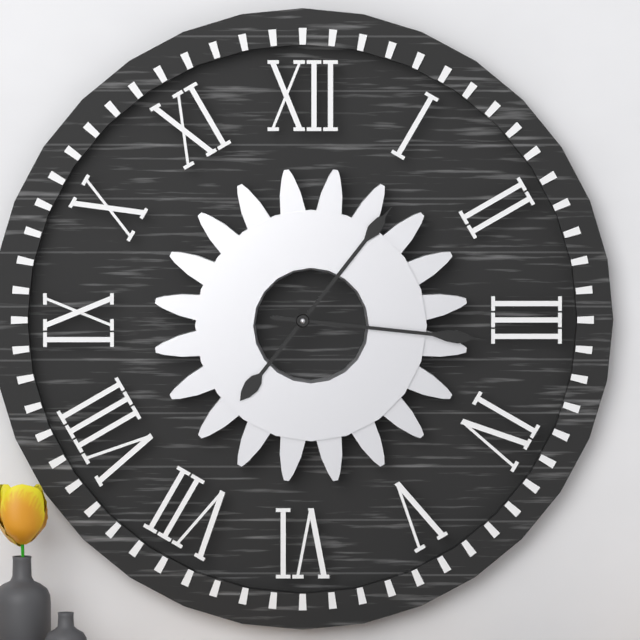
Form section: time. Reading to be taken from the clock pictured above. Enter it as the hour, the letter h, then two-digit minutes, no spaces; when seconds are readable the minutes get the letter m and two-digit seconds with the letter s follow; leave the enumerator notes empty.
1h16
